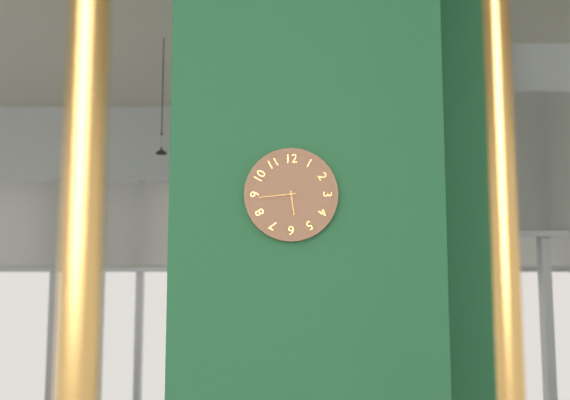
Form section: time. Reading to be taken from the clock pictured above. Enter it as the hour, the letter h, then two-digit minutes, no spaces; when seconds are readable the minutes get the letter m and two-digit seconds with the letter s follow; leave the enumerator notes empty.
5h44
